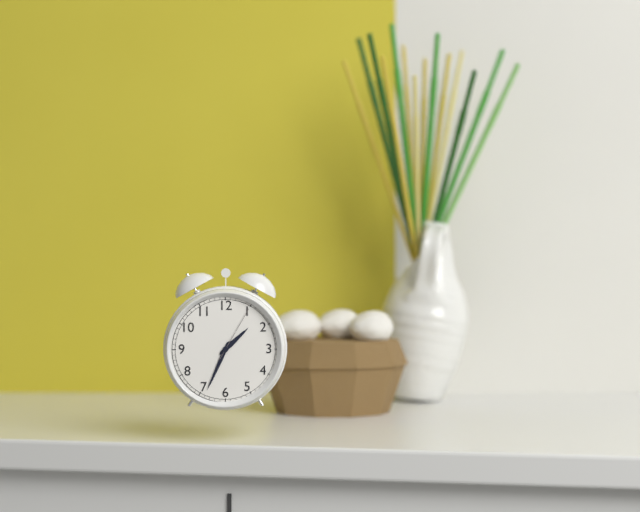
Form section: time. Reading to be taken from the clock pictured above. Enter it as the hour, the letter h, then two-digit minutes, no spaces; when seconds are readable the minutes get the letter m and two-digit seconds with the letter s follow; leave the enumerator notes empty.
1h34m05s
